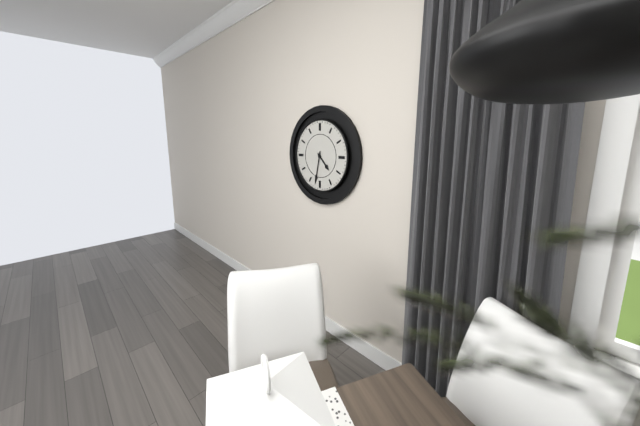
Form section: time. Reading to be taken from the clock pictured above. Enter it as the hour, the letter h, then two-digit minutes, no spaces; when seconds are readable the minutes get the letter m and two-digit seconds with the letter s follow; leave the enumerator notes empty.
4h32
